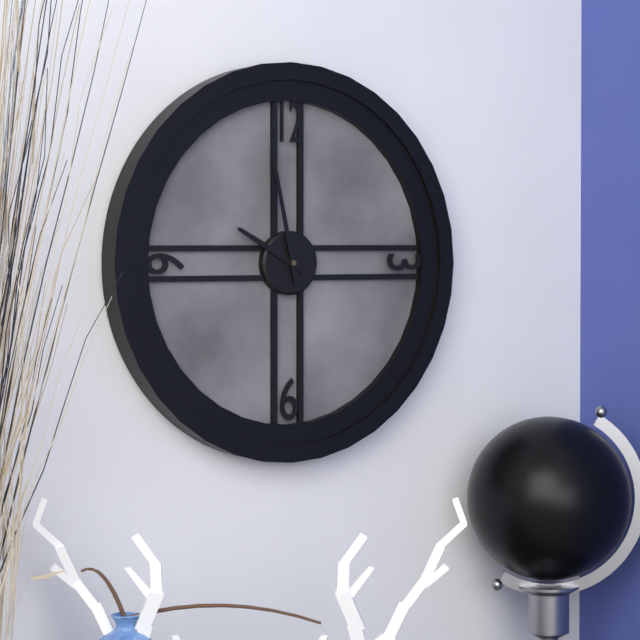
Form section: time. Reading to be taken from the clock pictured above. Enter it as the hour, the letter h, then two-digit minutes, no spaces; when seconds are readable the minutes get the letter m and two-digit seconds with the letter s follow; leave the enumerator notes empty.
9h58
